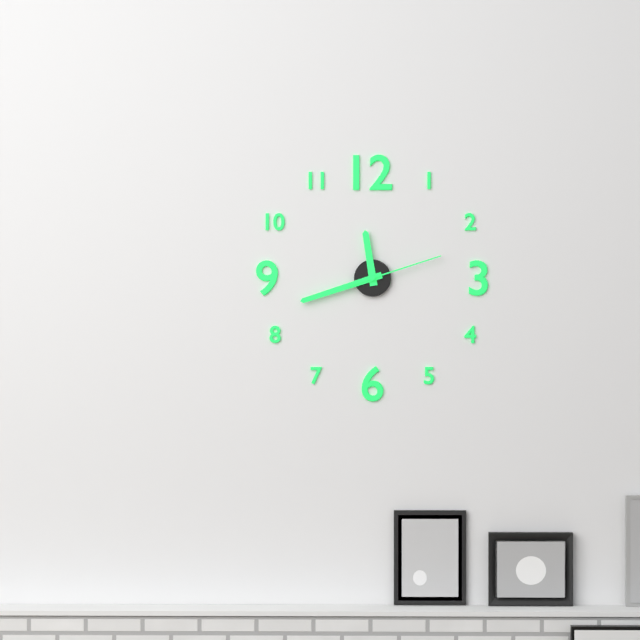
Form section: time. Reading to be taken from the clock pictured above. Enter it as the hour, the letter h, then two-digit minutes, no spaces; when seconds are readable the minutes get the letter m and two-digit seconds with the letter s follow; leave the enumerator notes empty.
11h42m12s
